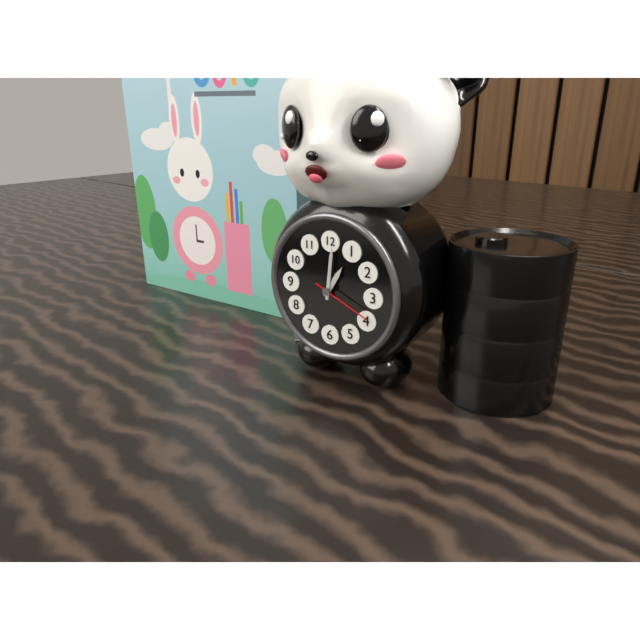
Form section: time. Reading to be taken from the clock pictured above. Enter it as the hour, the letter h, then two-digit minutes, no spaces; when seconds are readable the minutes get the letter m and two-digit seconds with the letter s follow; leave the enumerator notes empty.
1h01m19s
